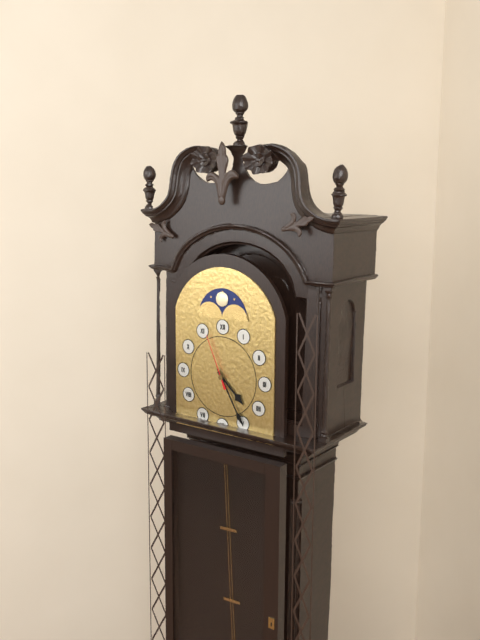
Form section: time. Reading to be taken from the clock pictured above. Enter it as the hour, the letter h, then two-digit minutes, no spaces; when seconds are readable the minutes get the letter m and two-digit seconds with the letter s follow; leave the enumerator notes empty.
4h25m56s
